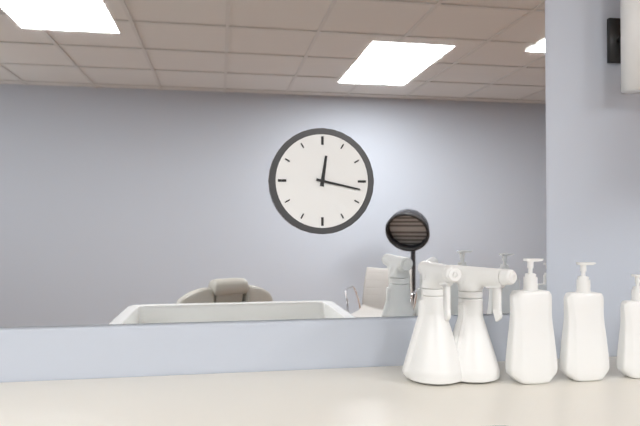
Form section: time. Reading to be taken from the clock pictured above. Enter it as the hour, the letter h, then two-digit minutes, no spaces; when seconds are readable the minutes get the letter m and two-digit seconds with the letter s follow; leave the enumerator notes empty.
12h17
